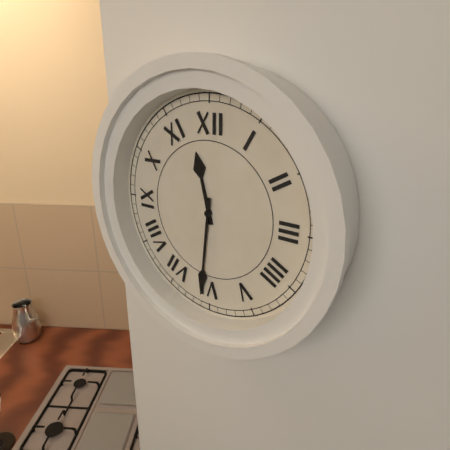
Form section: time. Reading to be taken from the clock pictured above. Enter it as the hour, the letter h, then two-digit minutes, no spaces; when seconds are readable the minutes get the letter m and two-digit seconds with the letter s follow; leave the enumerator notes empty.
11h31
